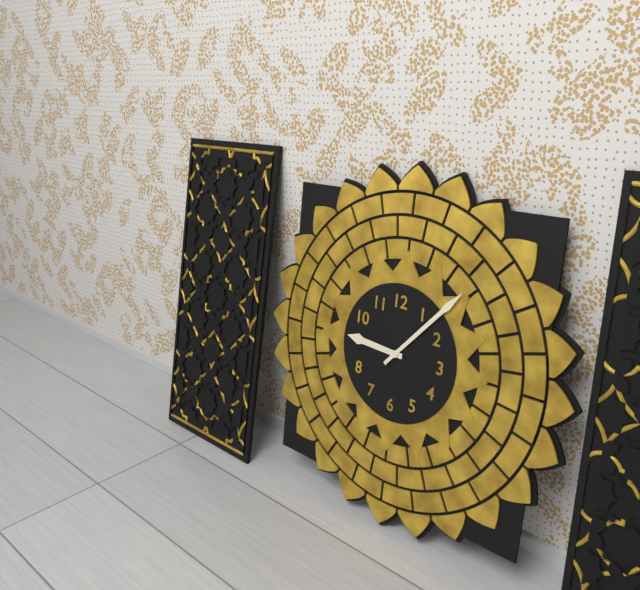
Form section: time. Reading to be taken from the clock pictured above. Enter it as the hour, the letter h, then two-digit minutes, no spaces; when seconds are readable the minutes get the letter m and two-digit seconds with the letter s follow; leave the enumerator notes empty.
9h07
